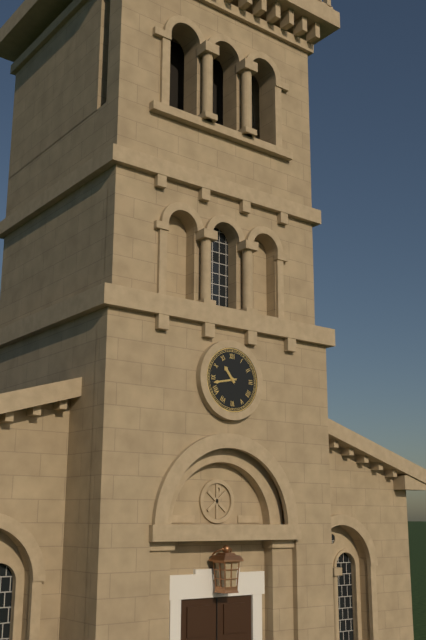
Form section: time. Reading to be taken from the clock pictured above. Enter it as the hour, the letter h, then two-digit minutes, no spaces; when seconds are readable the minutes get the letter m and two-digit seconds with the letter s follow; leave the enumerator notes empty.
10h43
